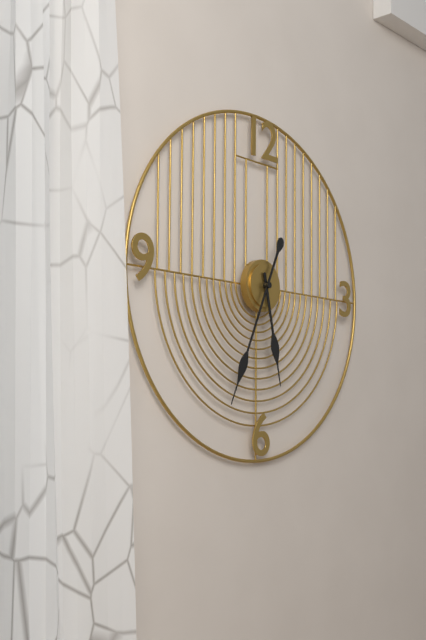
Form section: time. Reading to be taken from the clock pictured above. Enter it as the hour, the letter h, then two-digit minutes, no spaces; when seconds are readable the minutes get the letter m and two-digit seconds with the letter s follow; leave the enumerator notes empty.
5h34
